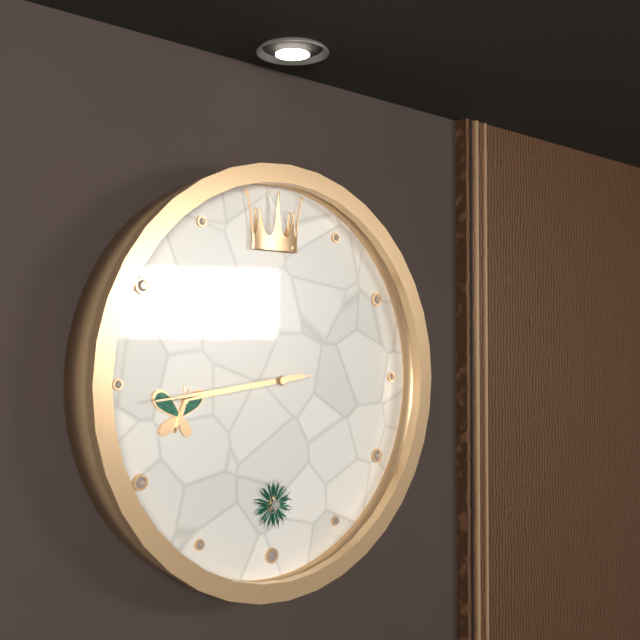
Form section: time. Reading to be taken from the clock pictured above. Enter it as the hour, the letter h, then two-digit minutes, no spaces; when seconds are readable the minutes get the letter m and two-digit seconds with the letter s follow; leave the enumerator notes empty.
8h44m44s
